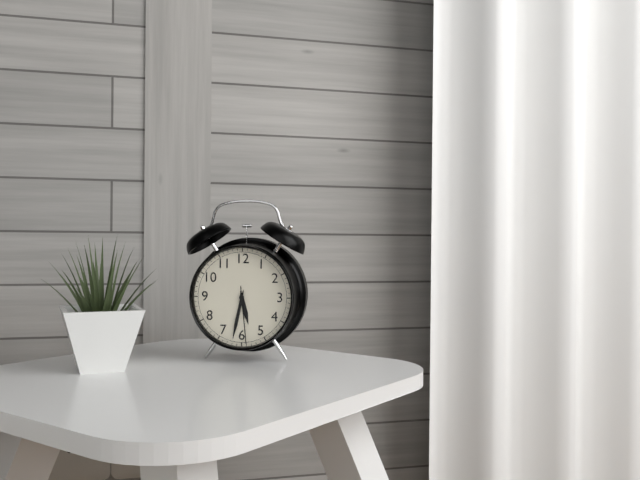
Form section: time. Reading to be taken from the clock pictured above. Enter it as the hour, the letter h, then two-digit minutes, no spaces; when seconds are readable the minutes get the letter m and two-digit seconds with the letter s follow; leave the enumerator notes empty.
5h32m29s
